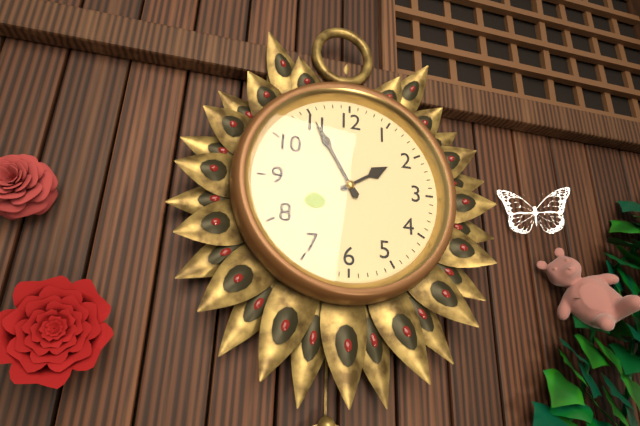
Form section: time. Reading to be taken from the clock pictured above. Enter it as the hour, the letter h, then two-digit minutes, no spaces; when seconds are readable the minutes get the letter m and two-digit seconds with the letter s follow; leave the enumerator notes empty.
1h55
